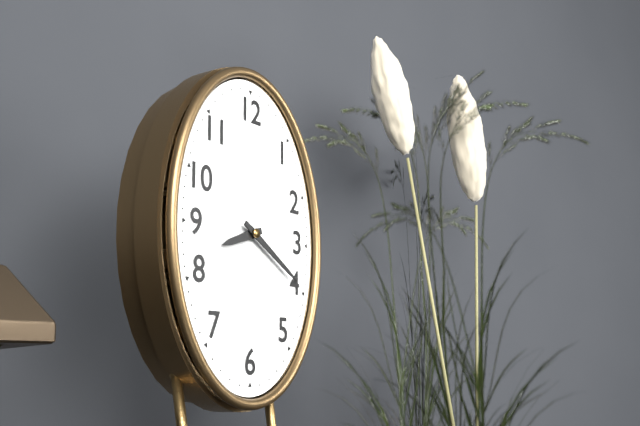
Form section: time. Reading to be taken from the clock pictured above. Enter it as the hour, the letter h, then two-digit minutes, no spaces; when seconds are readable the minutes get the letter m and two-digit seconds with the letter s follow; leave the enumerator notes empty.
8h20
